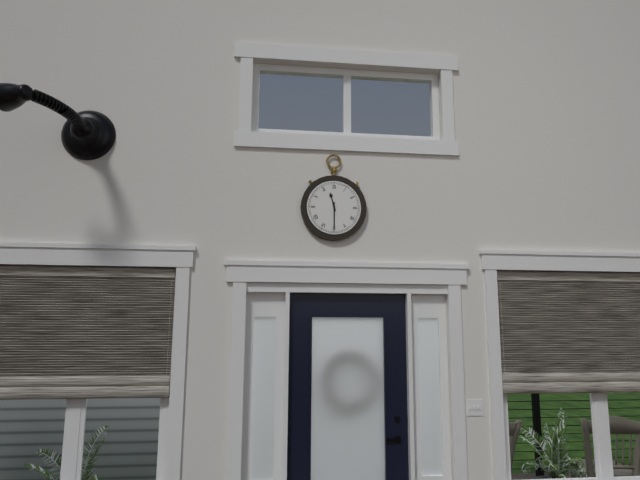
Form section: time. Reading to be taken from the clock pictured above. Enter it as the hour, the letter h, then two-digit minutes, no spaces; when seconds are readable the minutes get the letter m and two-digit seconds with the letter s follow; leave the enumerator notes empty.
11h30
